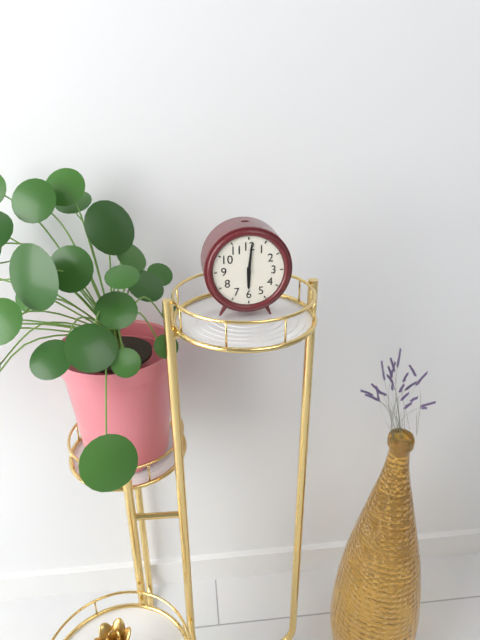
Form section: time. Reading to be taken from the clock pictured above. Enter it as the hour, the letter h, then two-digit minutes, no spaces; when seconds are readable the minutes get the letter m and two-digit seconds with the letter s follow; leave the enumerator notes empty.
6h01
